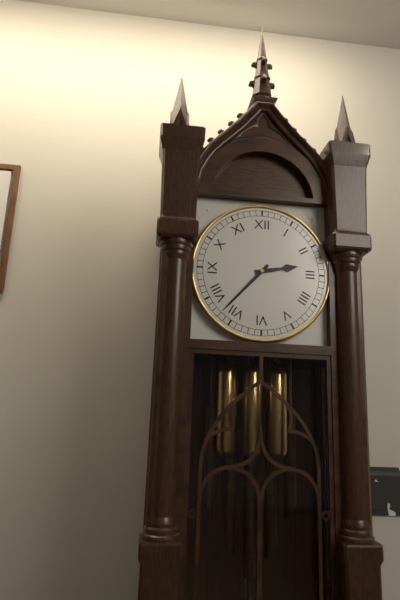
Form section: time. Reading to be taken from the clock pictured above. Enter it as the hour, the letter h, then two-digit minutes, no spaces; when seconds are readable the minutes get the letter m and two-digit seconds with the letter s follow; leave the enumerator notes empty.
2h37
